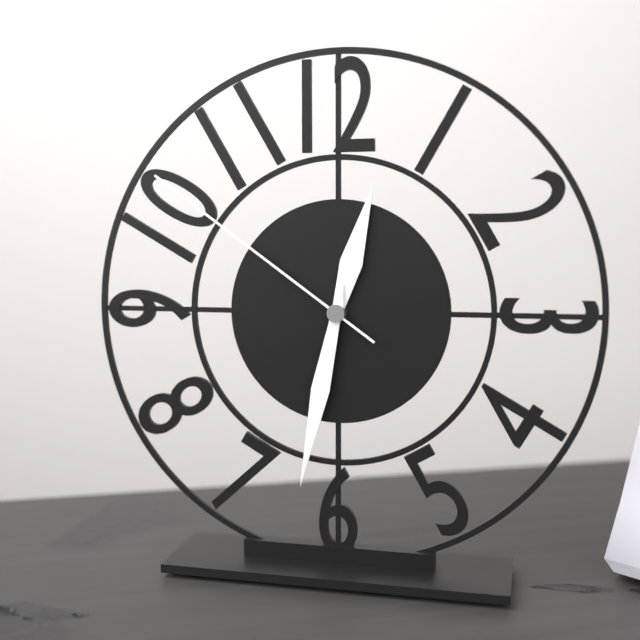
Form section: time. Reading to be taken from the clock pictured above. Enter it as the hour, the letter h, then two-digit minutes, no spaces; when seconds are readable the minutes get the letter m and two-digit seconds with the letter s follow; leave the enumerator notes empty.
12h32m51s
